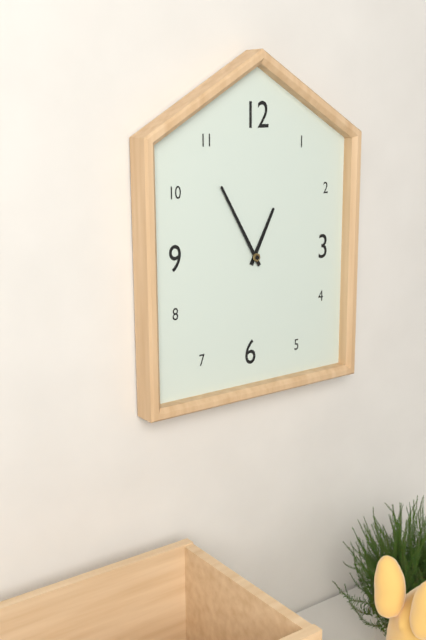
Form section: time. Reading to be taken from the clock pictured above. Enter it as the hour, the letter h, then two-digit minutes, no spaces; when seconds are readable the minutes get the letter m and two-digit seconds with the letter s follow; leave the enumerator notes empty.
12h55
